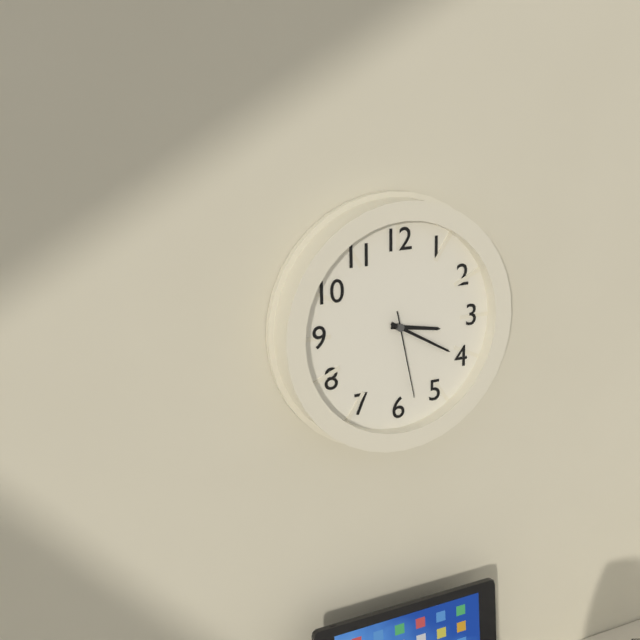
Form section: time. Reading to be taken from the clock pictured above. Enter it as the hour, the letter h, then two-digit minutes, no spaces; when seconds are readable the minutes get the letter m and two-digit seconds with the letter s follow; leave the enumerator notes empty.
3h20m28s
